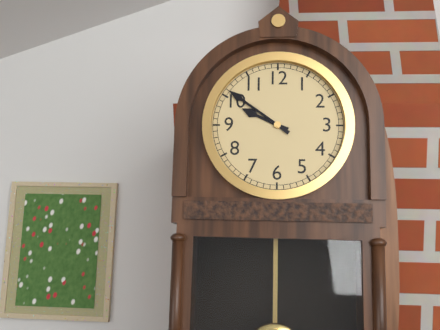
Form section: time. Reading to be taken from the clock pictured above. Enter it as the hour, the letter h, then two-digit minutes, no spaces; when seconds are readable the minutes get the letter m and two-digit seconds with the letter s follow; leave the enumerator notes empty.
9h51
